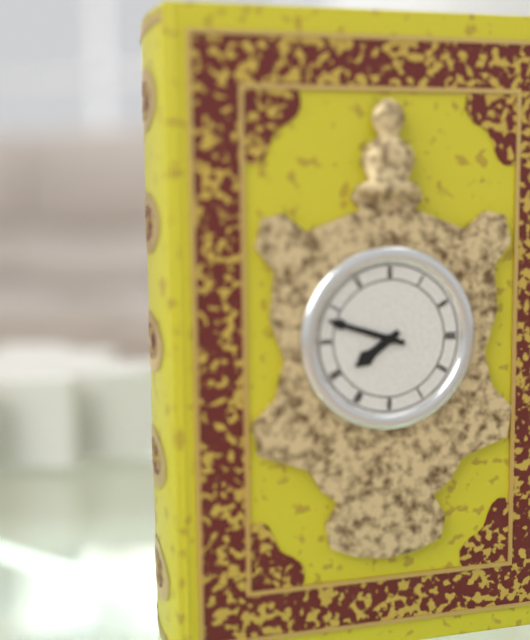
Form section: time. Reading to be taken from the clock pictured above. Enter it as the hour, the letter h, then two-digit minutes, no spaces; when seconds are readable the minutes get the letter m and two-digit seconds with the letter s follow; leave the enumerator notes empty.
7h48
